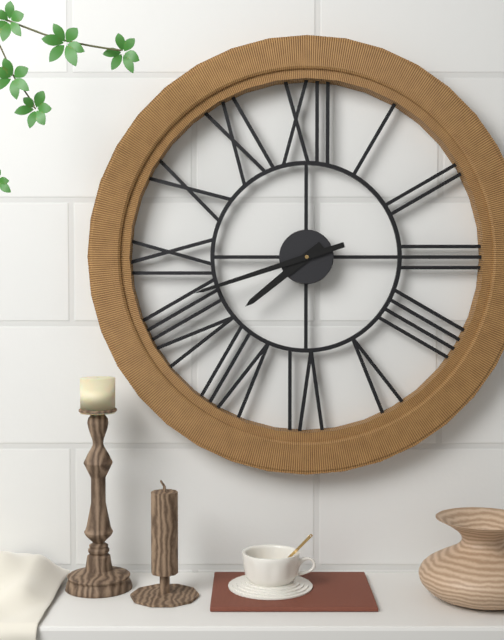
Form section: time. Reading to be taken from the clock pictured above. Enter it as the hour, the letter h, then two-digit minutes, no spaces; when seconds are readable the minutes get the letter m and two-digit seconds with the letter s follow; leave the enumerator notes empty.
7h42
